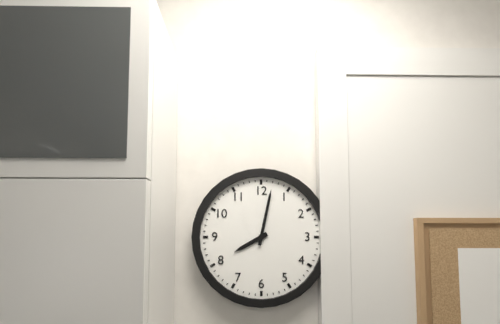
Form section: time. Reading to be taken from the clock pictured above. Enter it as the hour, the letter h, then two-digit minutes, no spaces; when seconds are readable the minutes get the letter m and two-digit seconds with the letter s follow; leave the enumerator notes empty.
8h02
